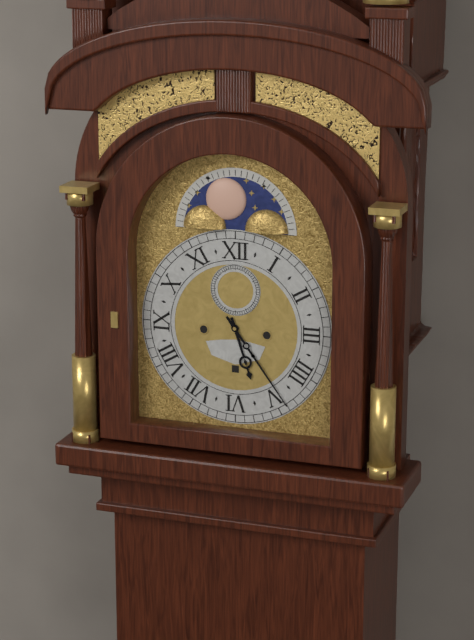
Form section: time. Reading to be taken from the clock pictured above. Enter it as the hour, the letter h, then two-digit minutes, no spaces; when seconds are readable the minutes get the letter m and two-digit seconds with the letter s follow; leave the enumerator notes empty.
5h24
